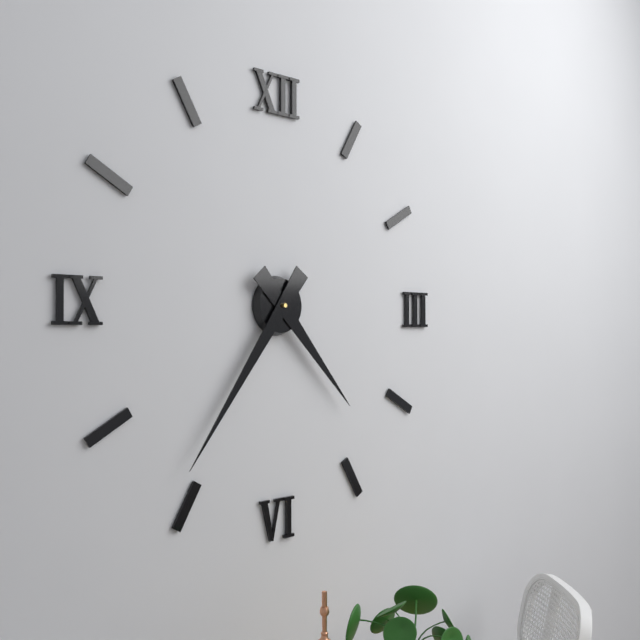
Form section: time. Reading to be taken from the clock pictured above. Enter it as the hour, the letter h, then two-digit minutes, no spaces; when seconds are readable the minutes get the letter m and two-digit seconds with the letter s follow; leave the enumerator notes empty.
4h36
